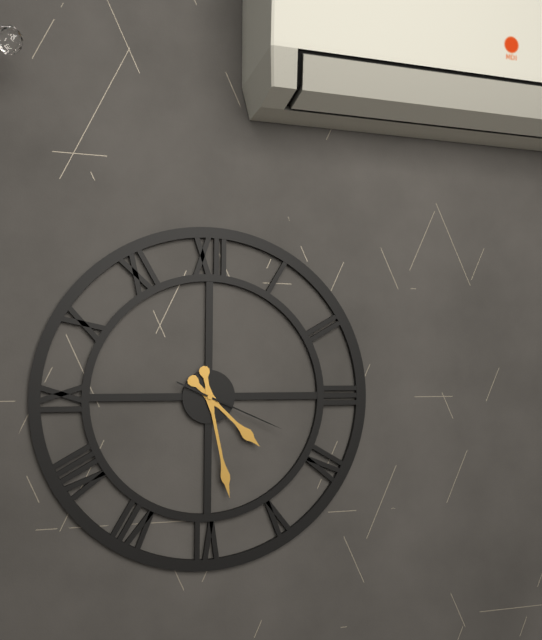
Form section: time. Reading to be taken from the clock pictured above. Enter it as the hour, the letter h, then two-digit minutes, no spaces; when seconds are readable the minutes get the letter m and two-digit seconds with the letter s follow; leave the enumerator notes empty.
4h28m19s
